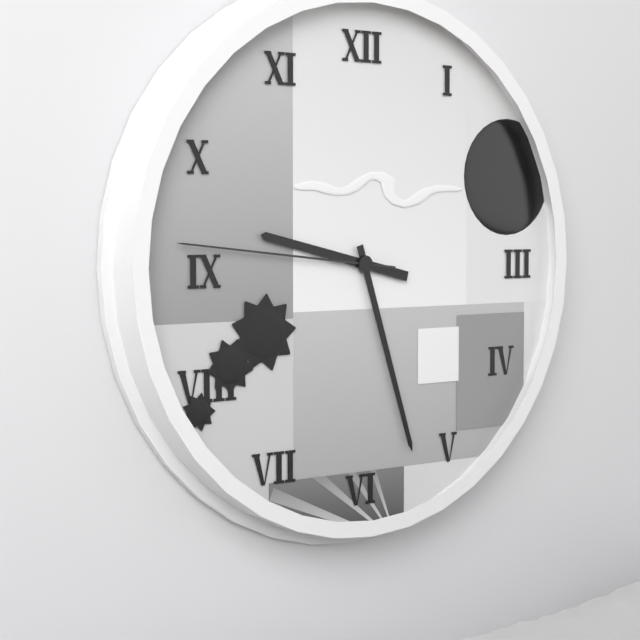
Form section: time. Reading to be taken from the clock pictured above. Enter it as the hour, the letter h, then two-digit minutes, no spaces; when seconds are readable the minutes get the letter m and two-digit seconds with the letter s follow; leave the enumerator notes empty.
9h27m46s
